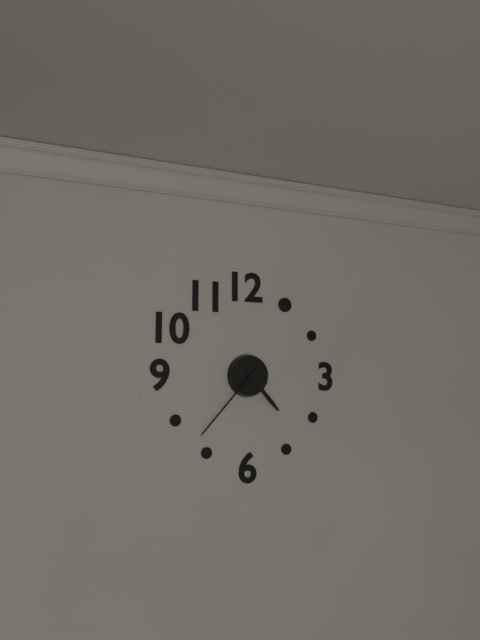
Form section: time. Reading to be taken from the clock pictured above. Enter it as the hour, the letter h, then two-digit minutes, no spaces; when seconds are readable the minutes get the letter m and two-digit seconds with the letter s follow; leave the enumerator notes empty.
4h37
